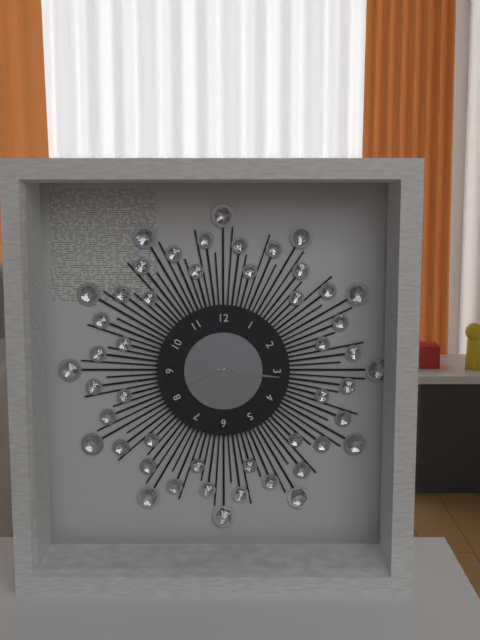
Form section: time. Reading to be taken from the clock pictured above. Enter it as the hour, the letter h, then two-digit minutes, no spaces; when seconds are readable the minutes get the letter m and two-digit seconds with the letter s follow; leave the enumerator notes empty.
8h16
